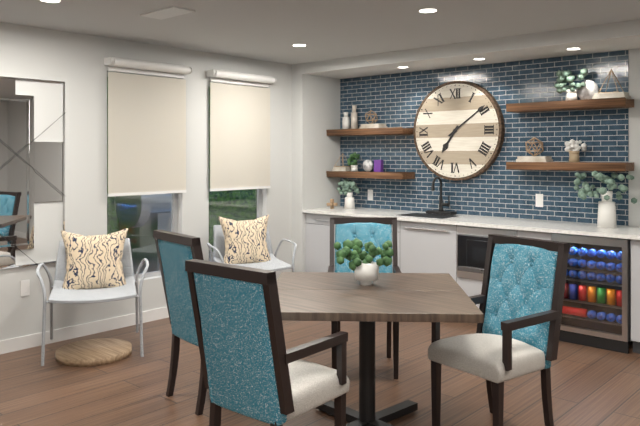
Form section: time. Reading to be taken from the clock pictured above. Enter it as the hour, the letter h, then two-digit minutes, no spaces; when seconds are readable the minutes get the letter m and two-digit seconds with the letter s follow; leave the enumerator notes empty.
7h09
